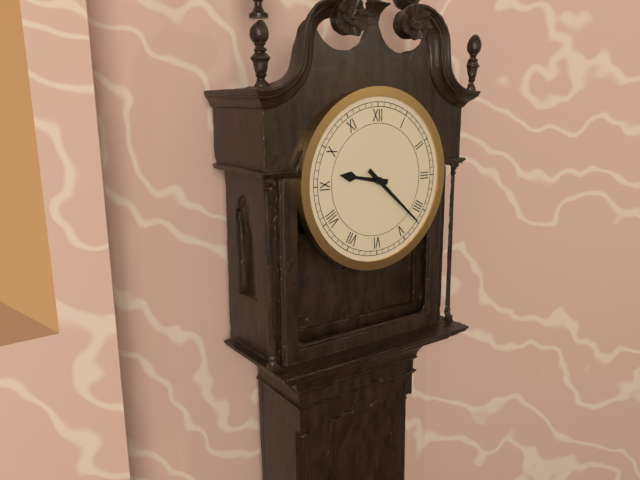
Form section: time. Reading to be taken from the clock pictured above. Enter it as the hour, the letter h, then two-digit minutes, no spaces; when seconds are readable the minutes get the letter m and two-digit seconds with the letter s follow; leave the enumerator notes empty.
9h22
